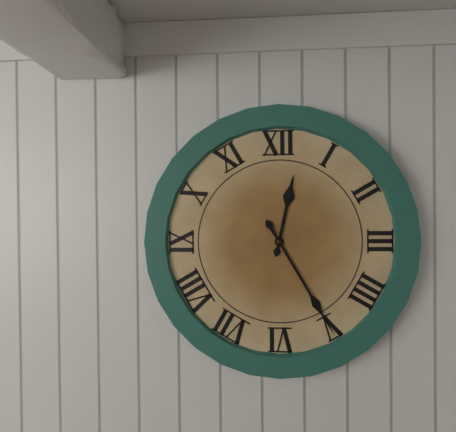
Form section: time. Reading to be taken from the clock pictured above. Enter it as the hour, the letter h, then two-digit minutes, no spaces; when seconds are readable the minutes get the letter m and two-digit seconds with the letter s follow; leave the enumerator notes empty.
12h25
